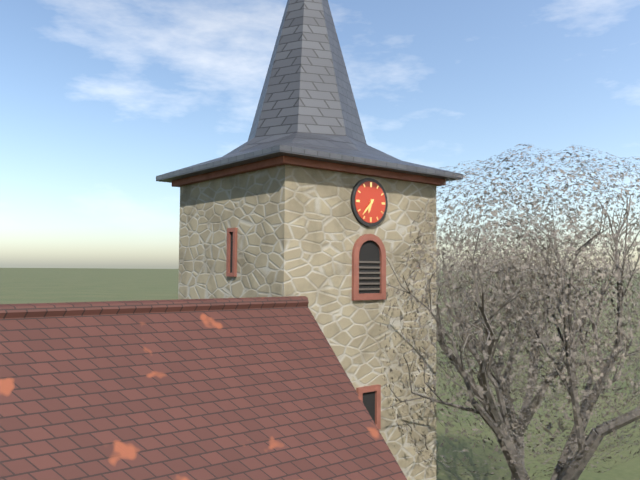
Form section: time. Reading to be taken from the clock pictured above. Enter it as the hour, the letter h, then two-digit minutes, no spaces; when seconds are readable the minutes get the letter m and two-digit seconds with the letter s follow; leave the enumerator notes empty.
6h37
